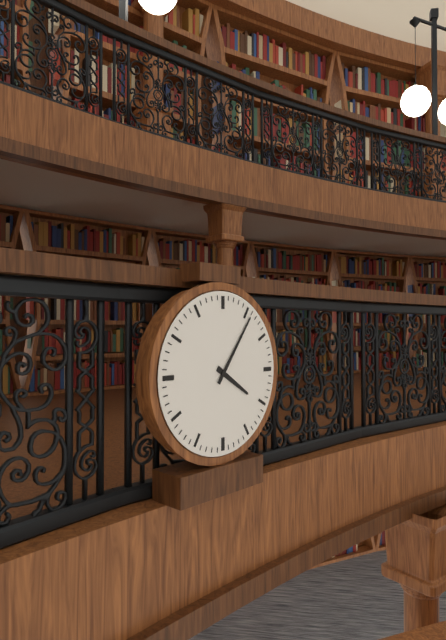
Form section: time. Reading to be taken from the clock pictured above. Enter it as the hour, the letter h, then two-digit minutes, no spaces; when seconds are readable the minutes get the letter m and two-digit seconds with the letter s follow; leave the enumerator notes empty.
4h06
